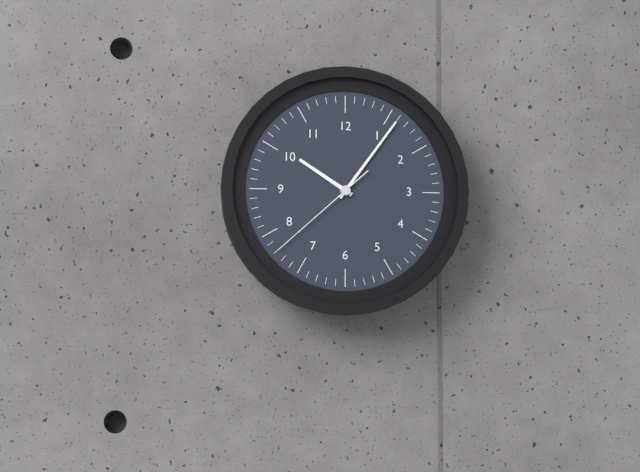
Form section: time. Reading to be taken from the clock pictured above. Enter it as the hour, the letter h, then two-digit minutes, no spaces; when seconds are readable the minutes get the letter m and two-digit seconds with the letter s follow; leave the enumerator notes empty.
10h06m38s
